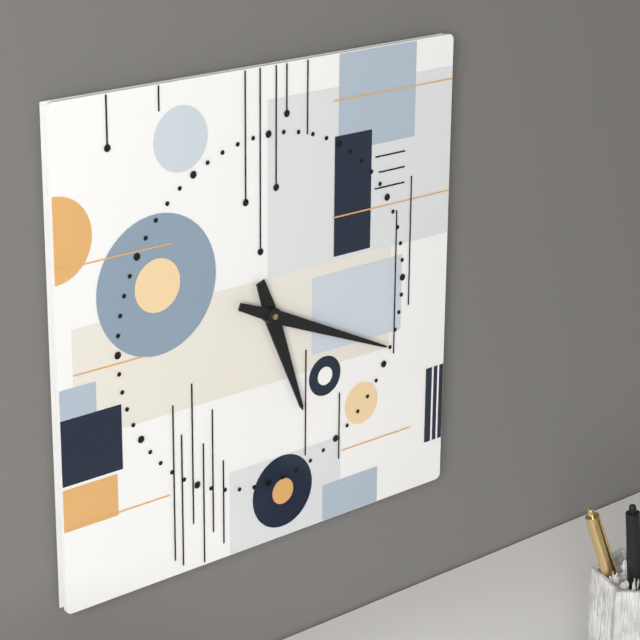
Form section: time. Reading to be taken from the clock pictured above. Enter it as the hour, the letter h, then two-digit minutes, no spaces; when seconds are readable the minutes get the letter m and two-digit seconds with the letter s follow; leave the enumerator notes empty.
5h19
